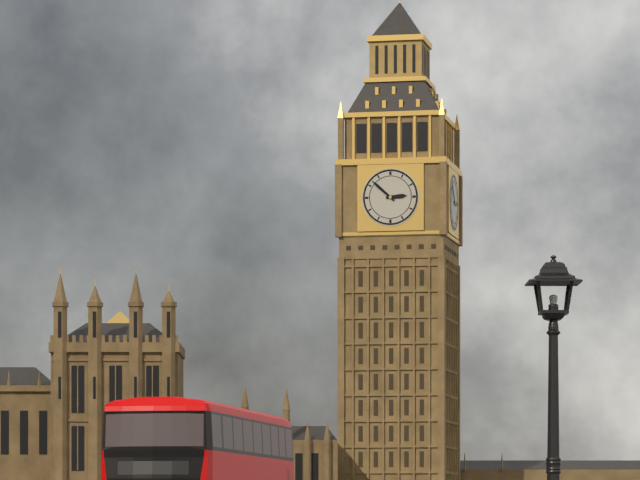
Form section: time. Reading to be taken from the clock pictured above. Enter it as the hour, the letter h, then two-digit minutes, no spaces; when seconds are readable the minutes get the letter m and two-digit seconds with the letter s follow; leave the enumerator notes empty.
2h52
